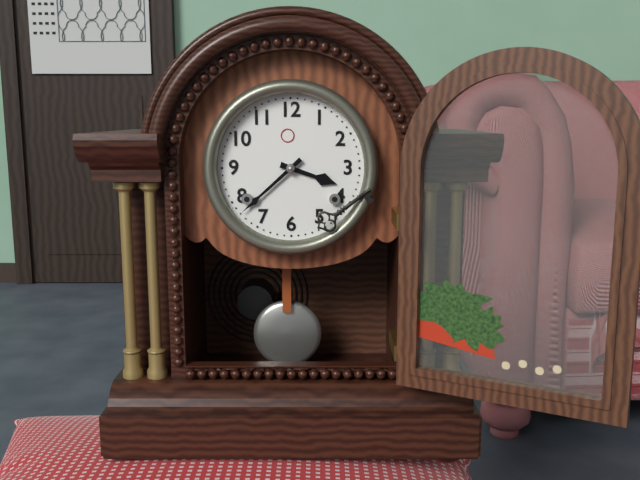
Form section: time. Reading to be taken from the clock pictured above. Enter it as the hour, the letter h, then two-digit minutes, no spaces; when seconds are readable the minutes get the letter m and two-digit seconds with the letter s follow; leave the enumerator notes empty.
3h38
